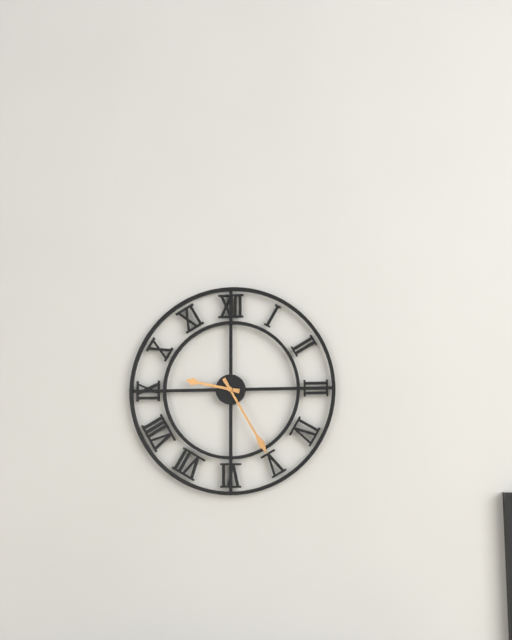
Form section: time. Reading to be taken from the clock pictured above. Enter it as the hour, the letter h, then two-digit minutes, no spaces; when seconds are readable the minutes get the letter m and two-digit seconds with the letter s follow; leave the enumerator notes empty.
9h25
